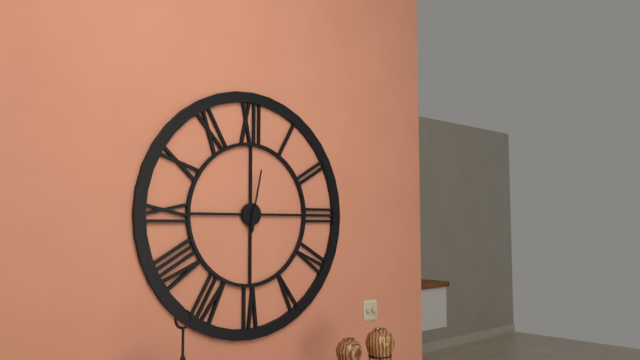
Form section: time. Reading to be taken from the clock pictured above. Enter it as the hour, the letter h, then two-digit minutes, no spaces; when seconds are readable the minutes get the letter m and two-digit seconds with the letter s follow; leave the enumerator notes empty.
6h02
